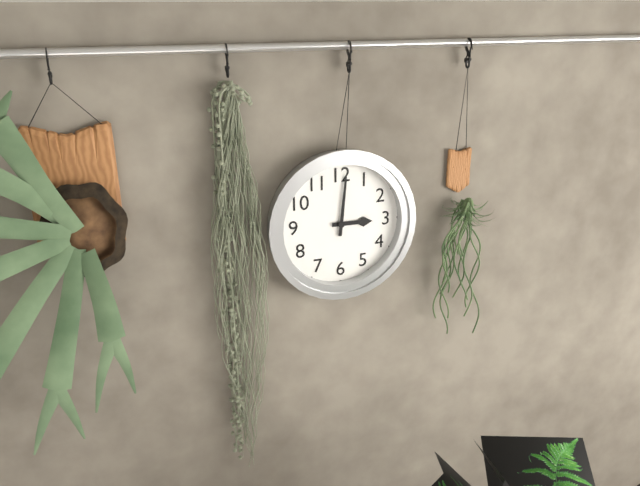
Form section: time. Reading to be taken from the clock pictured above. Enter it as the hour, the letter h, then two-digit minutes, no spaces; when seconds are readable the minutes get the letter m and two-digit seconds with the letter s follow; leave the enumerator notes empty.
3h01
